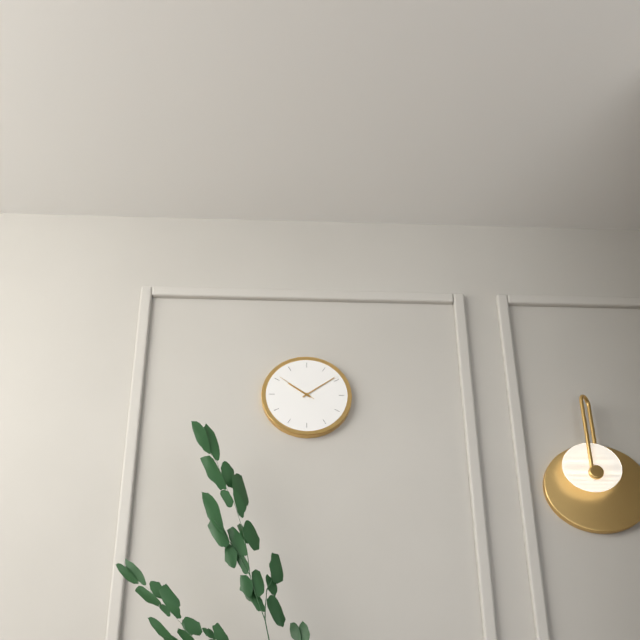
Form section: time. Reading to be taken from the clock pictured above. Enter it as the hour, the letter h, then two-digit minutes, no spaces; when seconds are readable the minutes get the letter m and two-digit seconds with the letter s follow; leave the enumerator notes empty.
10h09
